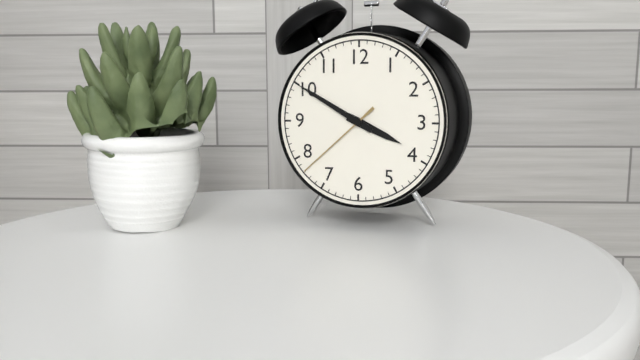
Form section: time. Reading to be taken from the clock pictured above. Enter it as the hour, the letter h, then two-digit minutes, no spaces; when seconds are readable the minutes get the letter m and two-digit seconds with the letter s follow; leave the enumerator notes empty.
3h50m38s
